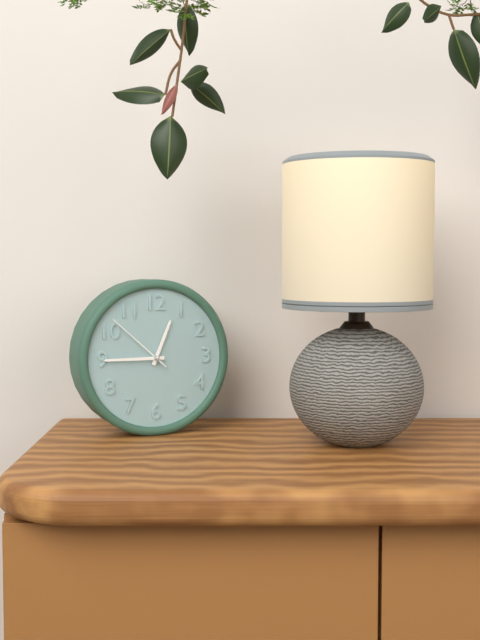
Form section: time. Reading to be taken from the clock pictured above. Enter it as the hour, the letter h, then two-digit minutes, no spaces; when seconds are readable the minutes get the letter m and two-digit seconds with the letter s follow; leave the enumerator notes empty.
12h45m52s
